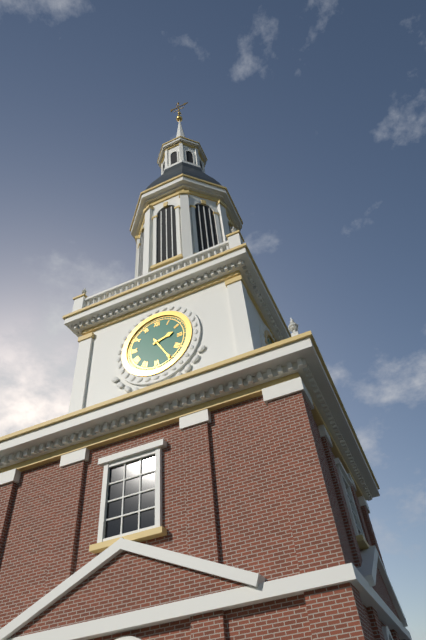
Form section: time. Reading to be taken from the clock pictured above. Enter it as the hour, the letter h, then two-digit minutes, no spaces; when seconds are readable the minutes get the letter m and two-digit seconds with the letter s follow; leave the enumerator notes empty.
2h25
